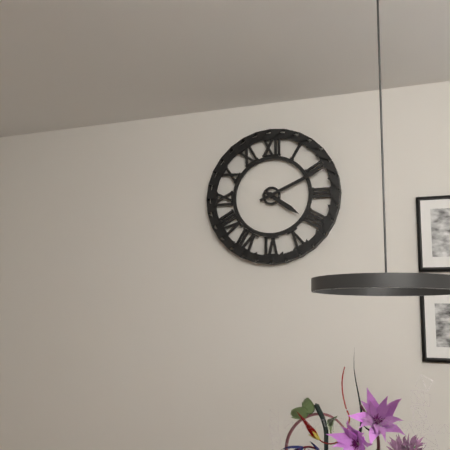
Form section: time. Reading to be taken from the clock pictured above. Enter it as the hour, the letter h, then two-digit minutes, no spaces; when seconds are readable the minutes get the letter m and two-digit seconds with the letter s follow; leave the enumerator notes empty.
4h11
